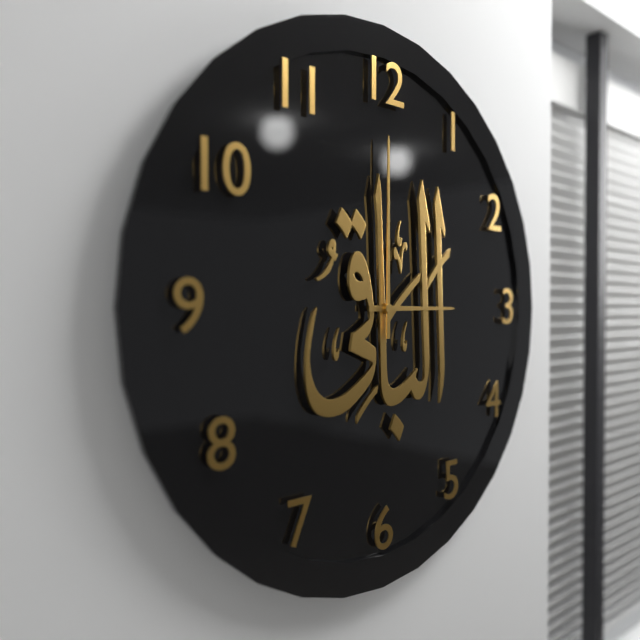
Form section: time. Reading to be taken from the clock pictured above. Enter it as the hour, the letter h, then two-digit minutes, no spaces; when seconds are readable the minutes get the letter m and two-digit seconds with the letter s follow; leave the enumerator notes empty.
3h00
